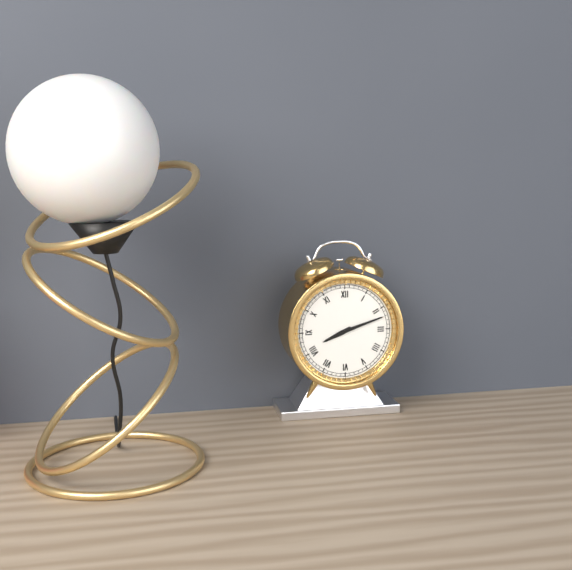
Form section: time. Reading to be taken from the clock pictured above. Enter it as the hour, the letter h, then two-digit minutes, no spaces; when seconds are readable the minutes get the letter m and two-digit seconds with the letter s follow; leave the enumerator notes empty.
8h12
